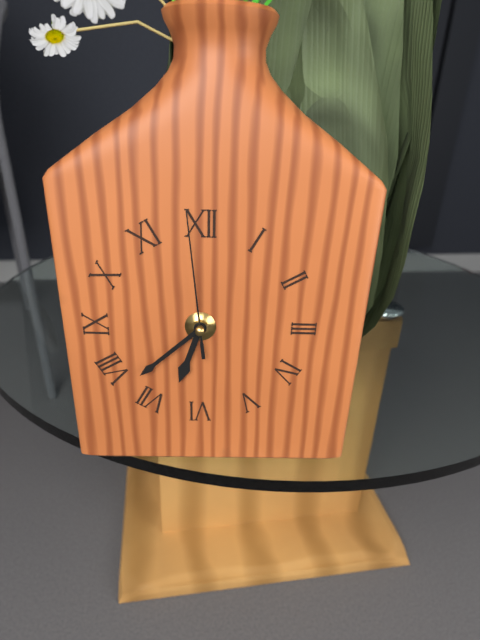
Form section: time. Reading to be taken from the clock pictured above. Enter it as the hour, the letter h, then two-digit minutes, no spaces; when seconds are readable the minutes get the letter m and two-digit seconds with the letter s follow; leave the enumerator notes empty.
6h38m59s
